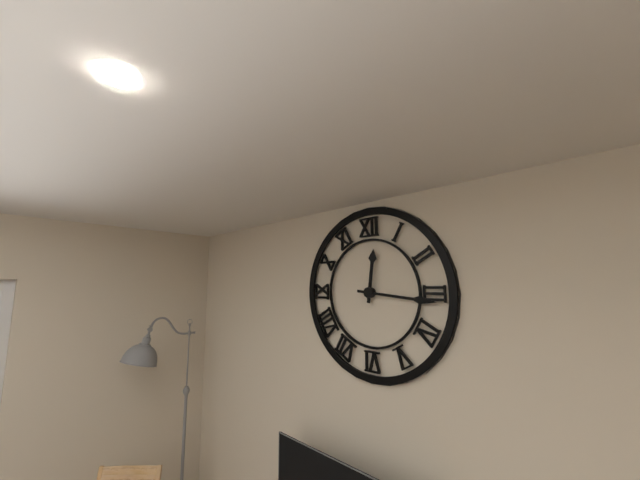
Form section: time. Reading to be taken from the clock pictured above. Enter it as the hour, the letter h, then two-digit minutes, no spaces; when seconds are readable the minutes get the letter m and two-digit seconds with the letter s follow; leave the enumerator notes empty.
12h16
